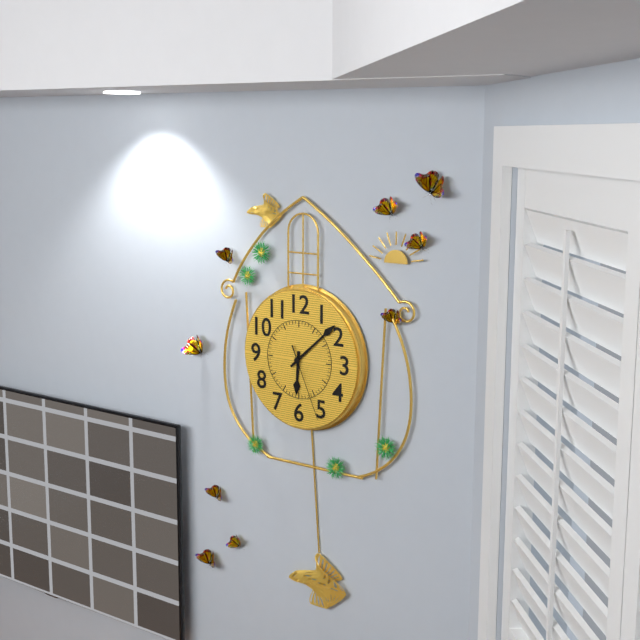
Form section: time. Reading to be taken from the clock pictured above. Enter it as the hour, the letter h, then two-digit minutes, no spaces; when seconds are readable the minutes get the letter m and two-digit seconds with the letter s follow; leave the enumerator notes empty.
6h08m26s
